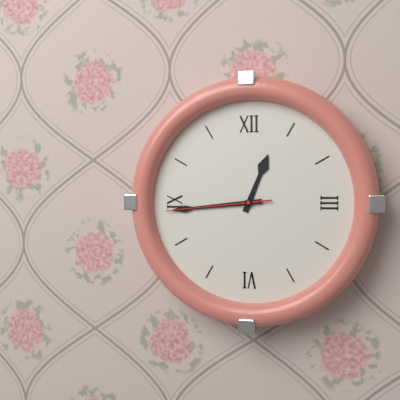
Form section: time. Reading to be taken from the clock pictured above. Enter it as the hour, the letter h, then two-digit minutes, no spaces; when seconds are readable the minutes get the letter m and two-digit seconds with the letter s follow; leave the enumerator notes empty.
12h44m44s
